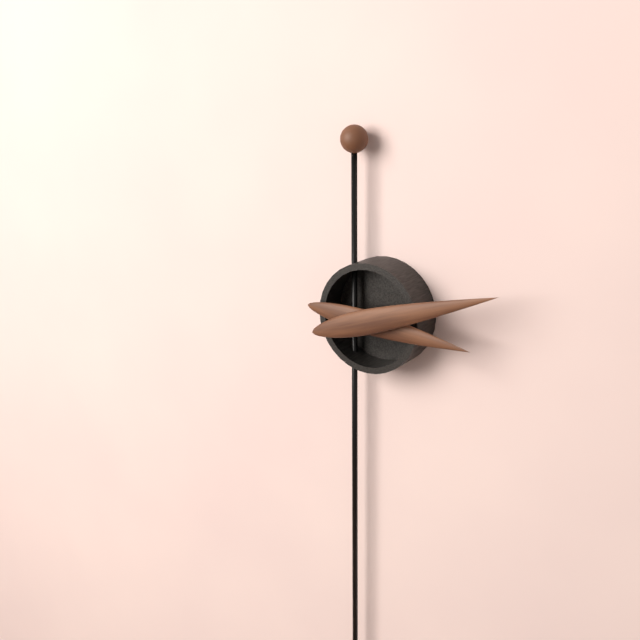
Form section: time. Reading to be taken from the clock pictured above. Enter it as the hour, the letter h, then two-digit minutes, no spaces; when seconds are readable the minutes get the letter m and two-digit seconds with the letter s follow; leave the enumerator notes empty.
3h12
